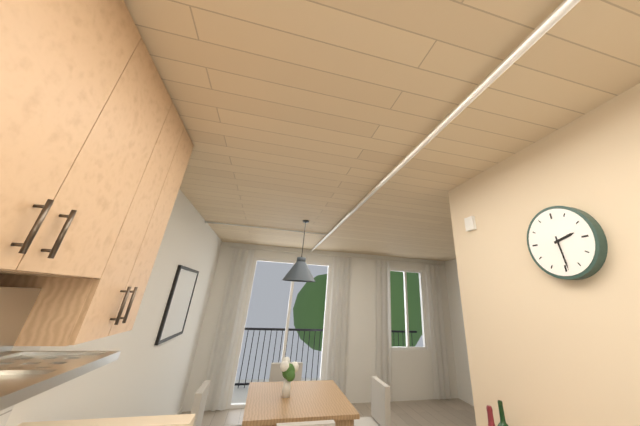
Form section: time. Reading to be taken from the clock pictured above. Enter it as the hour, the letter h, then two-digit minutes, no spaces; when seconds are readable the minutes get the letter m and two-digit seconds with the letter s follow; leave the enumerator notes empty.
2h29
